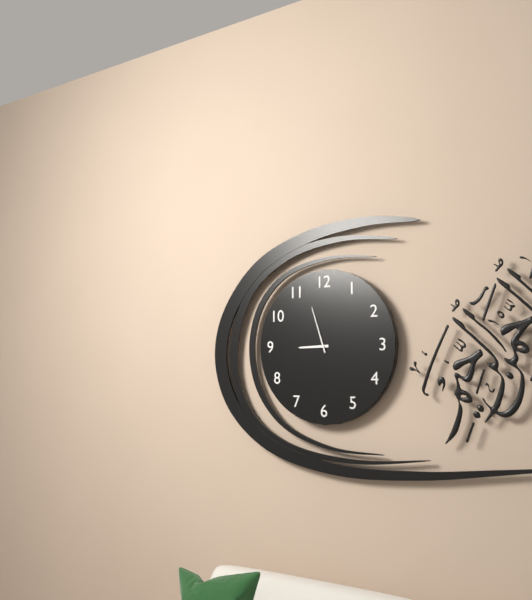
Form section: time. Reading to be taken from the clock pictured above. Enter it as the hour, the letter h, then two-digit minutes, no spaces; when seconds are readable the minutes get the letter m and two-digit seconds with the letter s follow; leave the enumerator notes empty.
8h57
